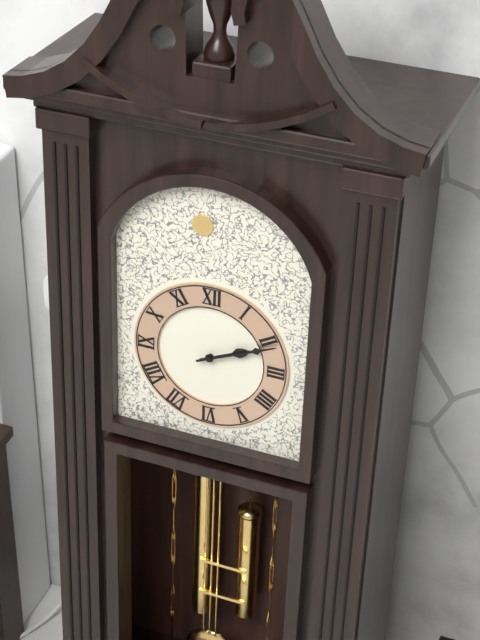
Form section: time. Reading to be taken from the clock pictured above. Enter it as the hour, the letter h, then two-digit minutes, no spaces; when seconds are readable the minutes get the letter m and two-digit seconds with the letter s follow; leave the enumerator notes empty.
2h11
